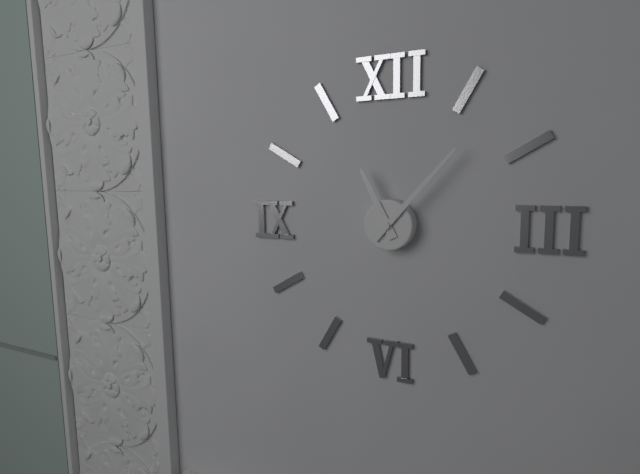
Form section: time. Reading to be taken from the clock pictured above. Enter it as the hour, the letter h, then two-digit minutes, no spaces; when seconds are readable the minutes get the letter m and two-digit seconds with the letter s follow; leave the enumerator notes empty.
11h07
